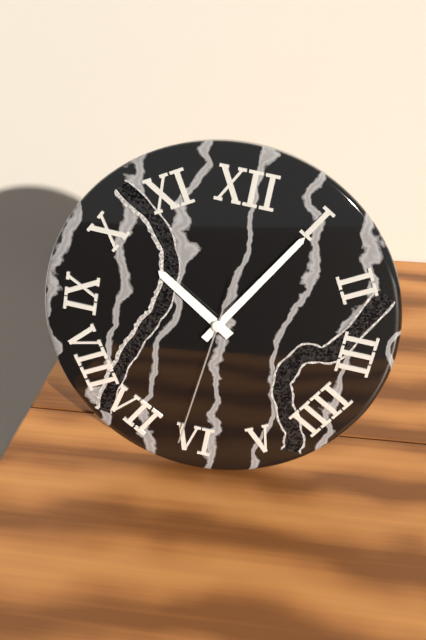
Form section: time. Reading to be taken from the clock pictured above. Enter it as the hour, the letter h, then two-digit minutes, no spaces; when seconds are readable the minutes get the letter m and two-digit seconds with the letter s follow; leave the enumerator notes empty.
10h05m31s
